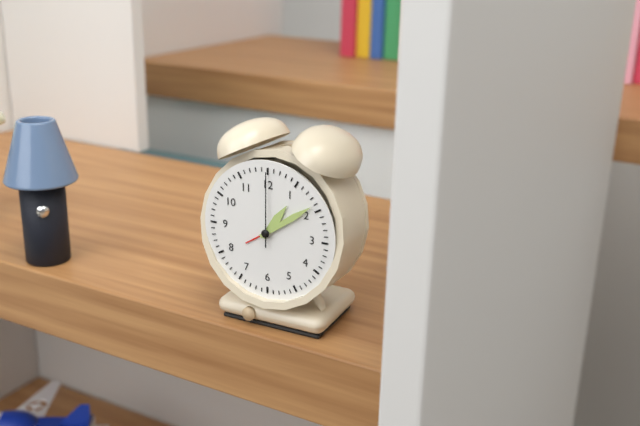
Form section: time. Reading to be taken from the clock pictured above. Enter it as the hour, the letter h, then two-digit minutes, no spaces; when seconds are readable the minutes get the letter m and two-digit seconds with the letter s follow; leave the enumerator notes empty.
1h09m00s
